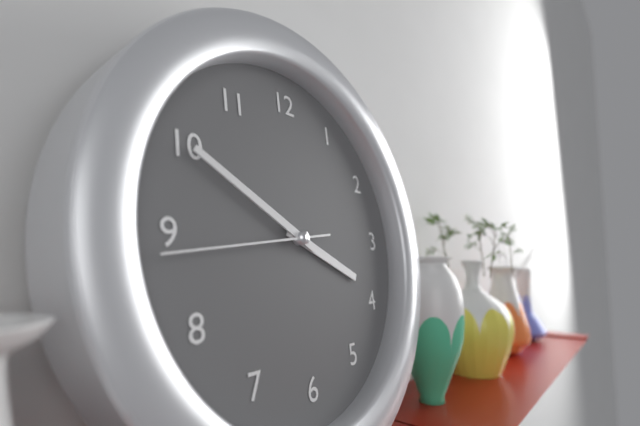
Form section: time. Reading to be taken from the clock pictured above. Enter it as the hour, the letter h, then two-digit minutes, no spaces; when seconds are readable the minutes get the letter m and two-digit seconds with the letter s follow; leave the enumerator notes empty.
3h50m44s
